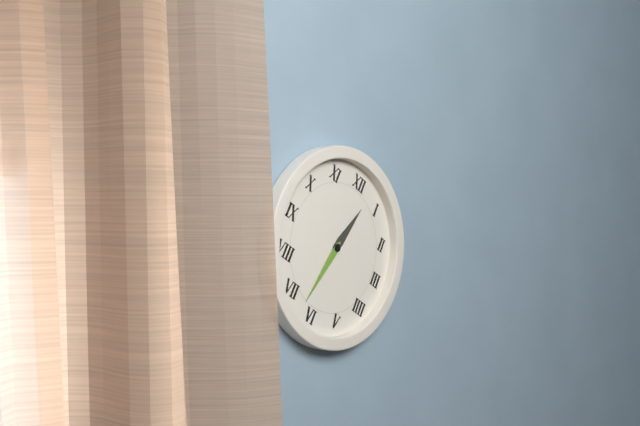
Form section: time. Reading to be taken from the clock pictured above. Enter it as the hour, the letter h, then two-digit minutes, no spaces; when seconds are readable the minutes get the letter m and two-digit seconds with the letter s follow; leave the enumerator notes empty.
12h32
